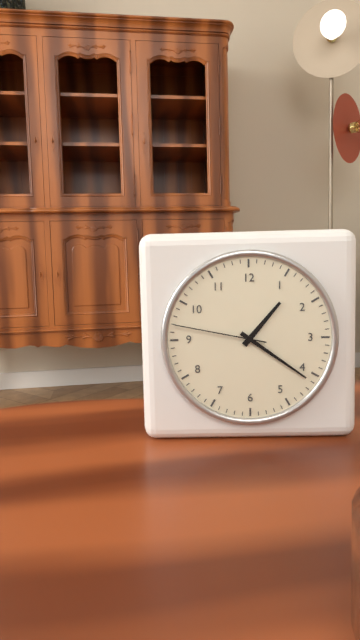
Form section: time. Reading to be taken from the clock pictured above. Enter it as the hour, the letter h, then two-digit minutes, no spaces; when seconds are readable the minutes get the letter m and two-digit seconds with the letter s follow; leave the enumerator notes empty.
1h21m47s
